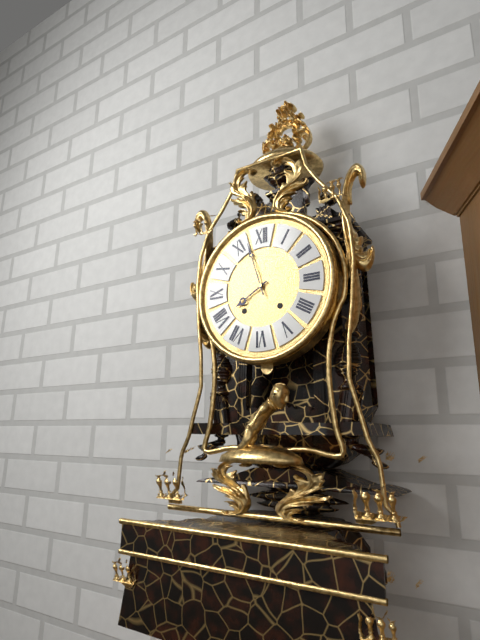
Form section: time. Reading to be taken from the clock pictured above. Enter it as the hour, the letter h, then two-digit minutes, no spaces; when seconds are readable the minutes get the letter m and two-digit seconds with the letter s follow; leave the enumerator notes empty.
7h57
